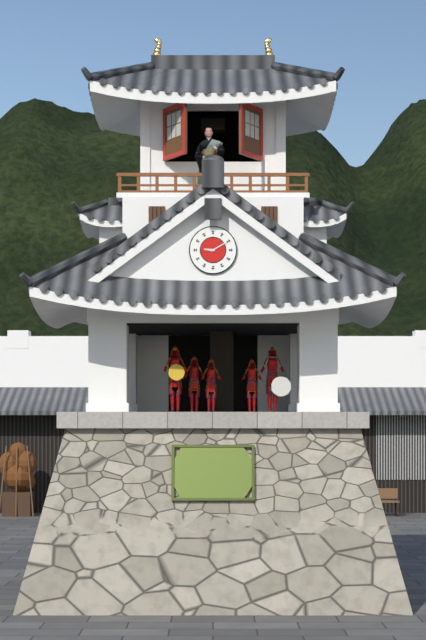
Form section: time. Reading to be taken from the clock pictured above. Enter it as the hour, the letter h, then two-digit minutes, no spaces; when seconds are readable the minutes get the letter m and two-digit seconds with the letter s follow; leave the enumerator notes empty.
9h10
